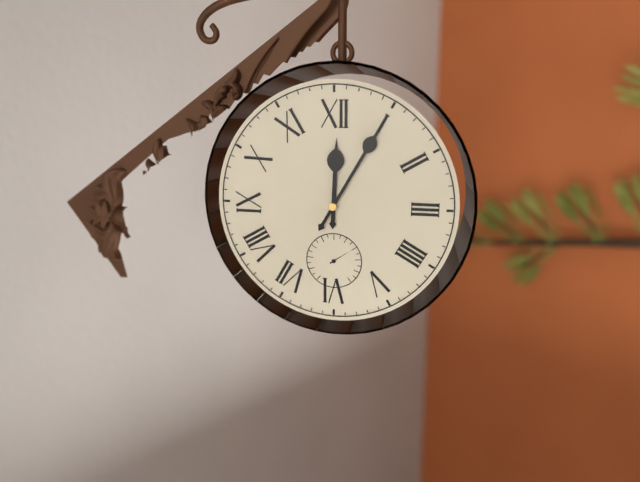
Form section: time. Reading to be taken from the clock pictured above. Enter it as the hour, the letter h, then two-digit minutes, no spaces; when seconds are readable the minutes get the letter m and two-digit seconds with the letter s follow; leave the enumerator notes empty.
12h05
